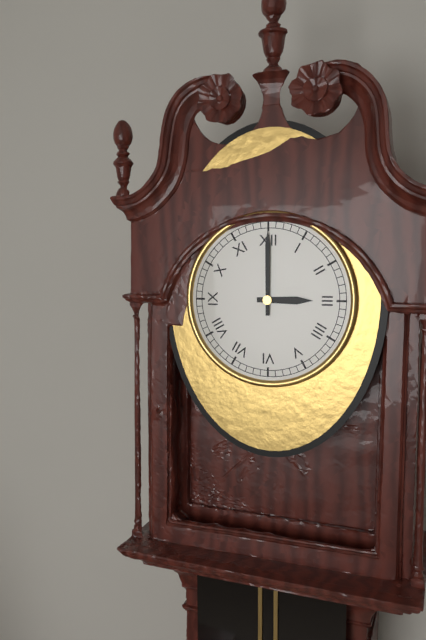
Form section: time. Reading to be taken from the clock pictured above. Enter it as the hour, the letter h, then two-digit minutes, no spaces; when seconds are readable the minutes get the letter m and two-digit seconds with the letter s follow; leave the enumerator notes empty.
3h00
